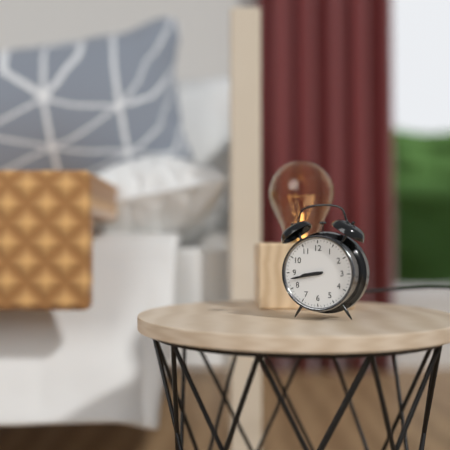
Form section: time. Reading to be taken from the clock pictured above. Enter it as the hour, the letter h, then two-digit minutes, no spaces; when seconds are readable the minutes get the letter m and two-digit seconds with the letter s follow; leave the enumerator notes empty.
8h43
